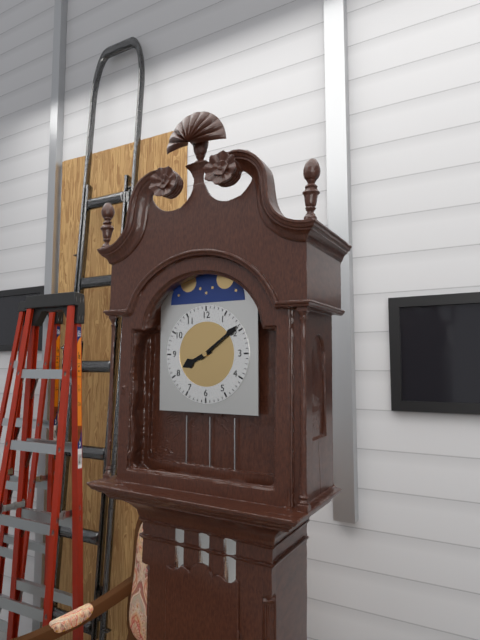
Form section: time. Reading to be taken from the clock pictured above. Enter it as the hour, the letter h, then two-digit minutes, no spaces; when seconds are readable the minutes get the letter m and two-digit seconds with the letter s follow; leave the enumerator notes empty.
8h09
